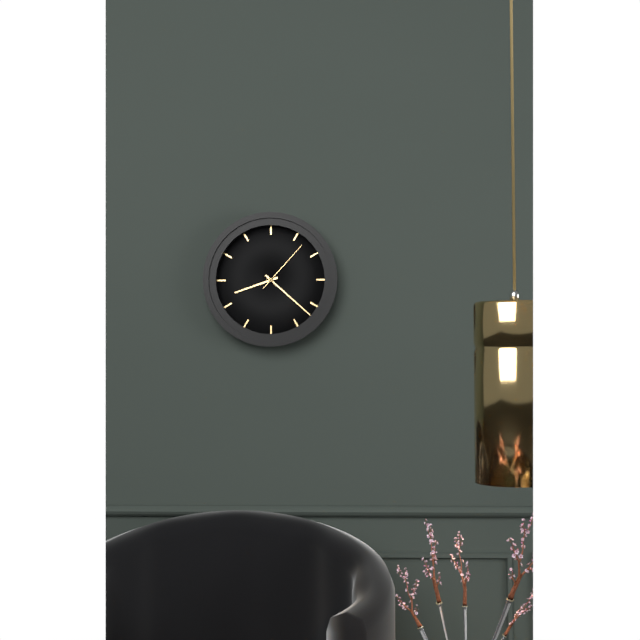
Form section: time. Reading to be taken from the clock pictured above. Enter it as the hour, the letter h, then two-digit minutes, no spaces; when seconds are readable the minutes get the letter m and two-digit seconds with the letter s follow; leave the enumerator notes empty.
8h22m07s
